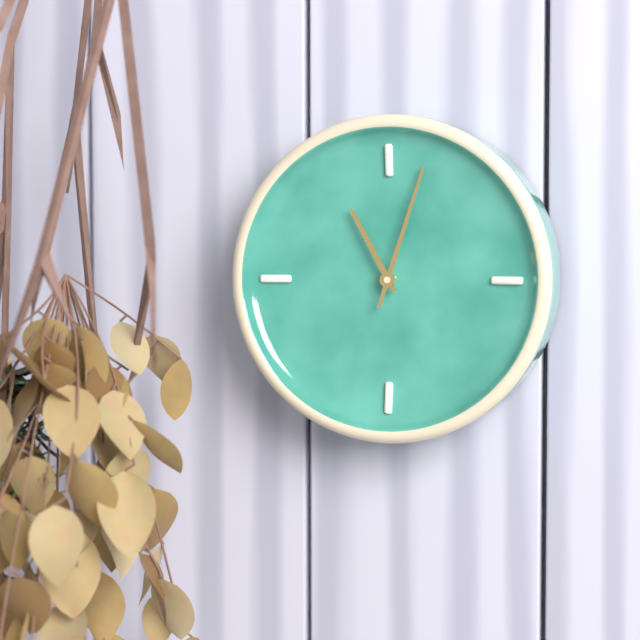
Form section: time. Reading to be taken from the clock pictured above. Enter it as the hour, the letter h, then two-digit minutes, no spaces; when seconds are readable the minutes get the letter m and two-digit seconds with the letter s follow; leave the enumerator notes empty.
11h03
